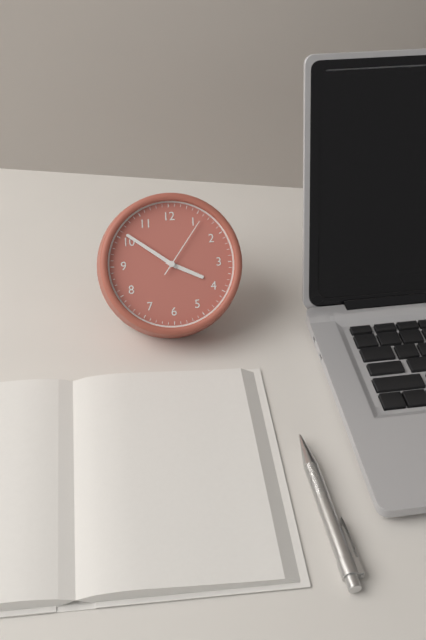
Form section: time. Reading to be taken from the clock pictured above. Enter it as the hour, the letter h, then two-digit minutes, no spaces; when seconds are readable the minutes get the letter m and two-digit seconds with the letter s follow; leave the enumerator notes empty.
3h51m06s
